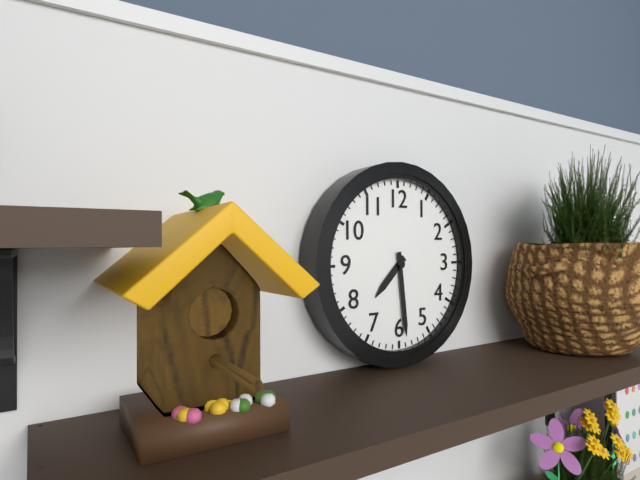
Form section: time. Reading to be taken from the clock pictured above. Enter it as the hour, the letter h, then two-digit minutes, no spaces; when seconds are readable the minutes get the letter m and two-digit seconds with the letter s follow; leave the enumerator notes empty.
7h29
